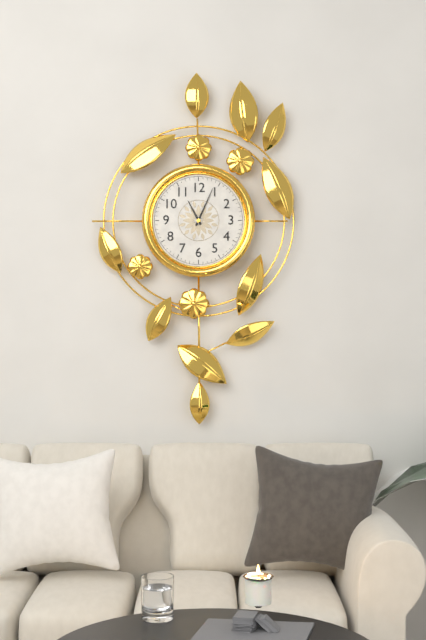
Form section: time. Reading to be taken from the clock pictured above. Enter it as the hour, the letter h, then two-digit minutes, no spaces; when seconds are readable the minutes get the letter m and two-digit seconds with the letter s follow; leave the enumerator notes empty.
11h04
